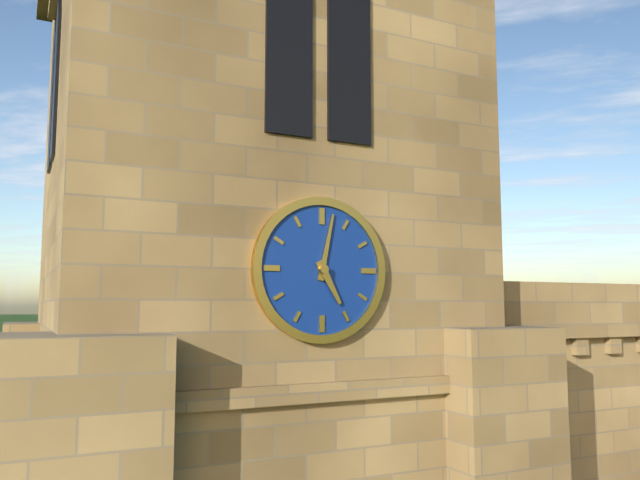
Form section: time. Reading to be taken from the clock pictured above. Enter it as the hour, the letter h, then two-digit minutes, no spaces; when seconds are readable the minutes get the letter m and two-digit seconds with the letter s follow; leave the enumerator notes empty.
5h02
